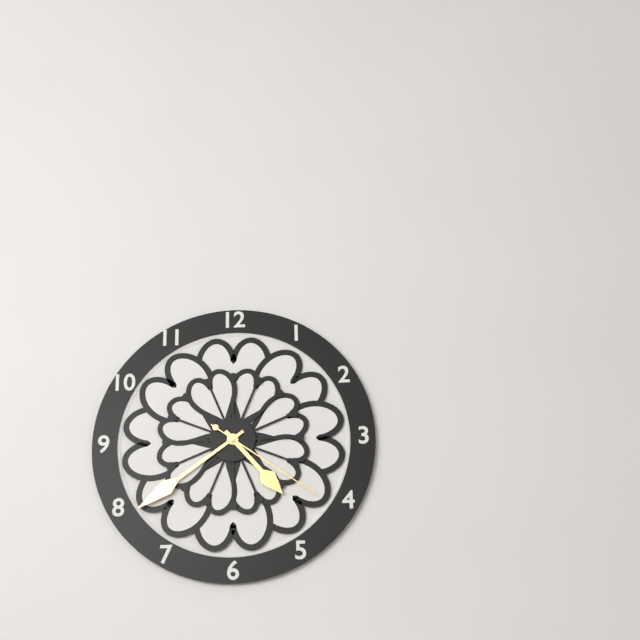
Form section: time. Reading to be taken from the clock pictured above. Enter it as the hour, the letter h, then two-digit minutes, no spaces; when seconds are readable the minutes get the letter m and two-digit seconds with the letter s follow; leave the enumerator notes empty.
4h39m21s
